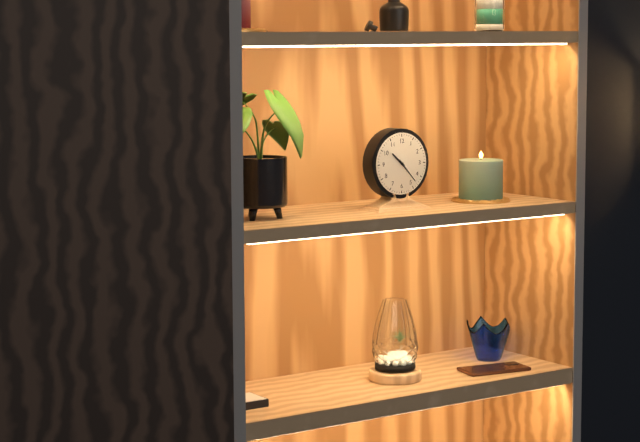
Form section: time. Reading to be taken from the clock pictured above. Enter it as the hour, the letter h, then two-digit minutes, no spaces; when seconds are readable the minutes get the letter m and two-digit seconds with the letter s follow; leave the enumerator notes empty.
10h23
